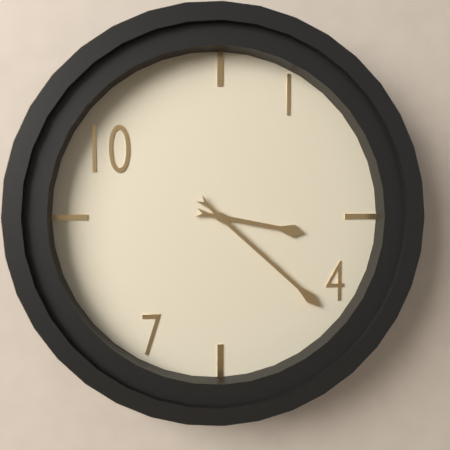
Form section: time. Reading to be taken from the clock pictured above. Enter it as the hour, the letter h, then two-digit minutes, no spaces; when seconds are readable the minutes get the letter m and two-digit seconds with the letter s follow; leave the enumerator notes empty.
3h22
